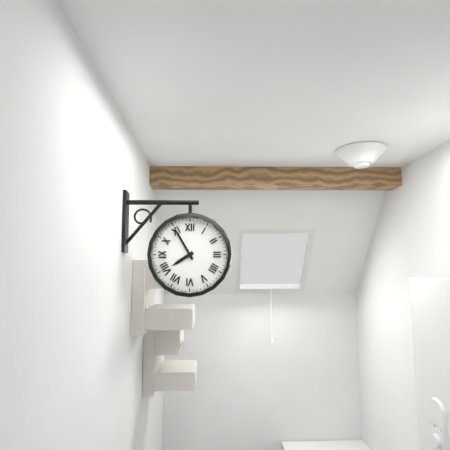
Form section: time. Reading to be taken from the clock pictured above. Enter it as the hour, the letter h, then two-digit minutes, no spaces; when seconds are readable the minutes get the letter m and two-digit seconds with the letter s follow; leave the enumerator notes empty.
7h55
